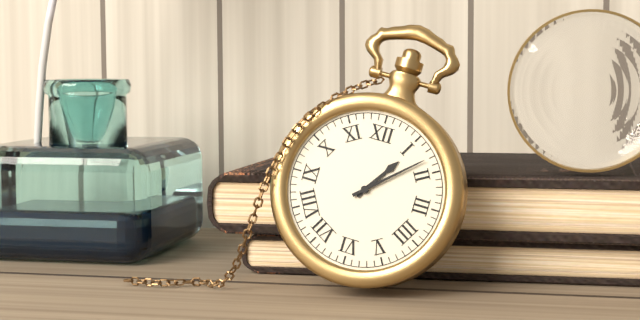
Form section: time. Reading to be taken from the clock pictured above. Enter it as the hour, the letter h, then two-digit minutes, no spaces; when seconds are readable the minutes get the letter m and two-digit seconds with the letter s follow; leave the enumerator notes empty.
1h08
